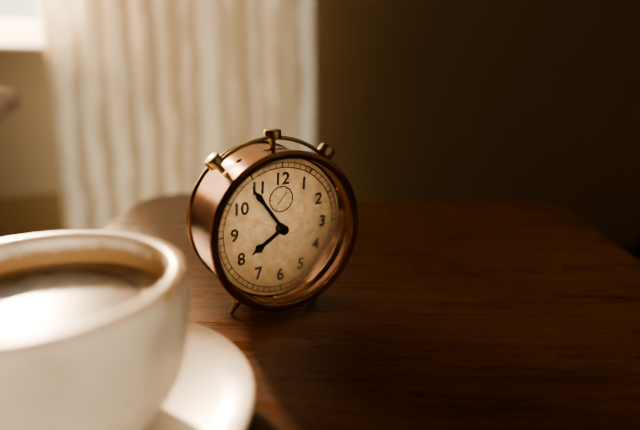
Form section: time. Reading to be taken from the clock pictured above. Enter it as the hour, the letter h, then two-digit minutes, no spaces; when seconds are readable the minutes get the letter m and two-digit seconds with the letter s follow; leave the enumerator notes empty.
7h54m49s
